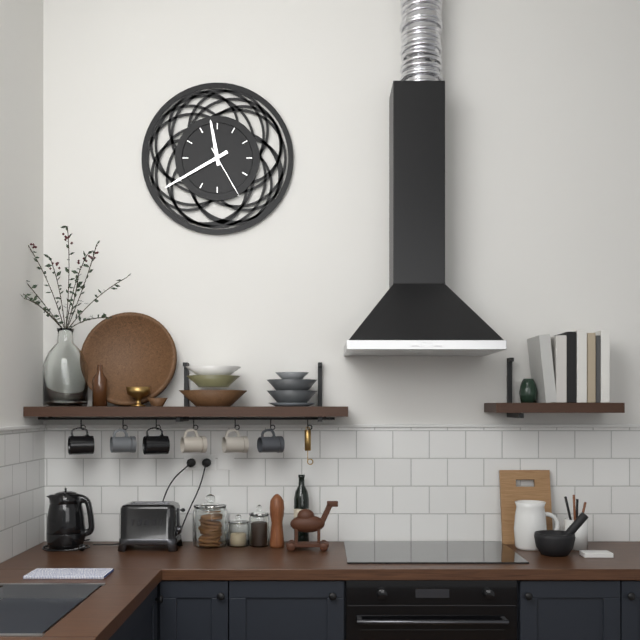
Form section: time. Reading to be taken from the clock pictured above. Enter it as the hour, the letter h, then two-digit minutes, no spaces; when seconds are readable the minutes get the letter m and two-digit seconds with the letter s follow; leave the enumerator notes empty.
11h40m25s
